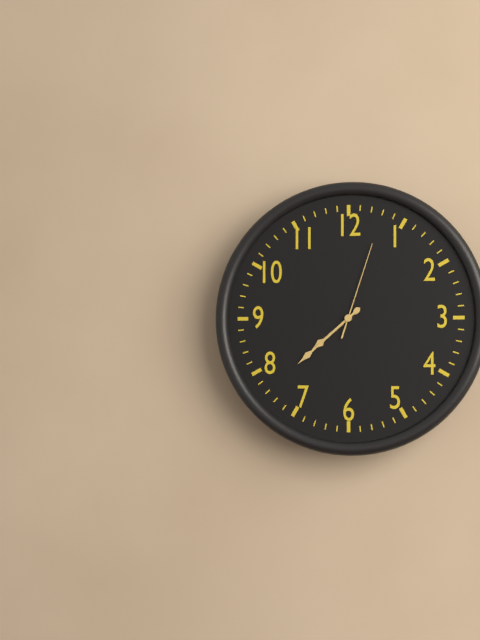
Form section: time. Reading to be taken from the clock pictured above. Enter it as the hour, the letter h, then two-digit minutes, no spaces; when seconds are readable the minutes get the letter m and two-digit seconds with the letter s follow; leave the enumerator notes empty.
7h38m03s
